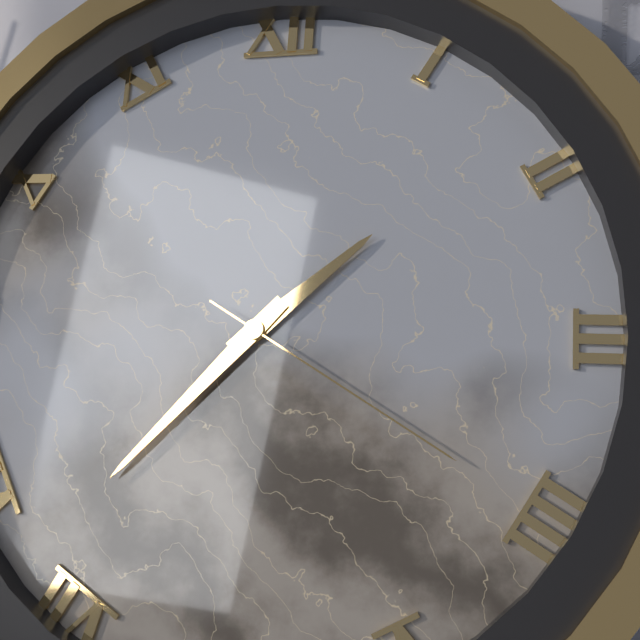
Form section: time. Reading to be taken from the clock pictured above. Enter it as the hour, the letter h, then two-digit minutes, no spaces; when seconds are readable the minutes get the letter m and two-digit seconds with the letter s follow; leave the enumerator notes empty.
1h37m20s
